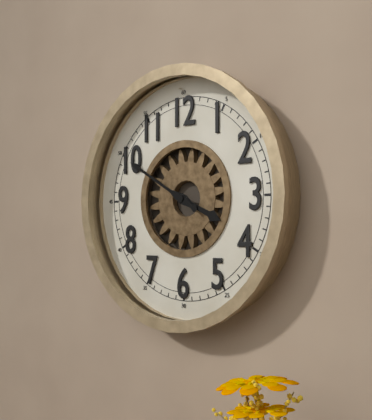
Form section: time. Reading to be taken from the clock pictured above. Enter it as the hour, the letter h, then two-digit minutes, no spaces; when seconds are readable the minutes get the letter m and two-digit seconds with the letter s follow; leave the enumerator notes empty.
3h50
